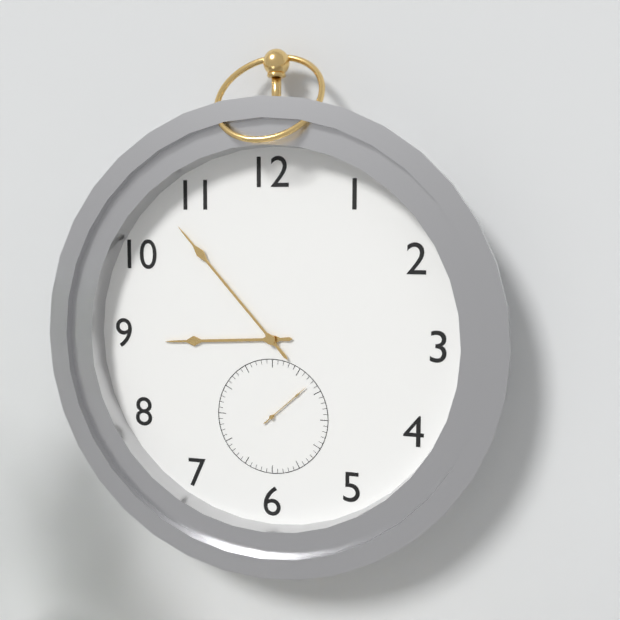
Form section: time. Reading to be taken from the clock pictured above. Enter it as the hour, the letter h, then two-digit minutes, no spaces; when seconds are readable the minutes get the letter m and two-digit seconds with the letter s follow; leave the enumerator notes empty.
8h53m08s
